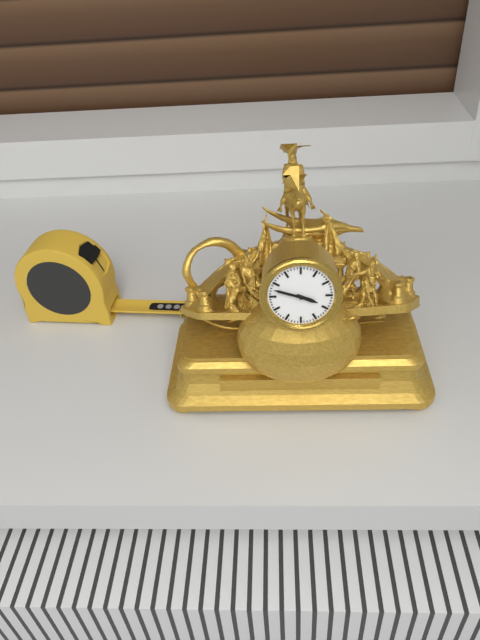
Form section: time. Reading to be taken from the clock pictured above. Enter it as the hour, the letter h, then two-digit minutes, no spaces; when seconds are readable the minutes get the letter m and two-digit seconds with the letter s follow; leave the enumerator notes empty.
3h48
